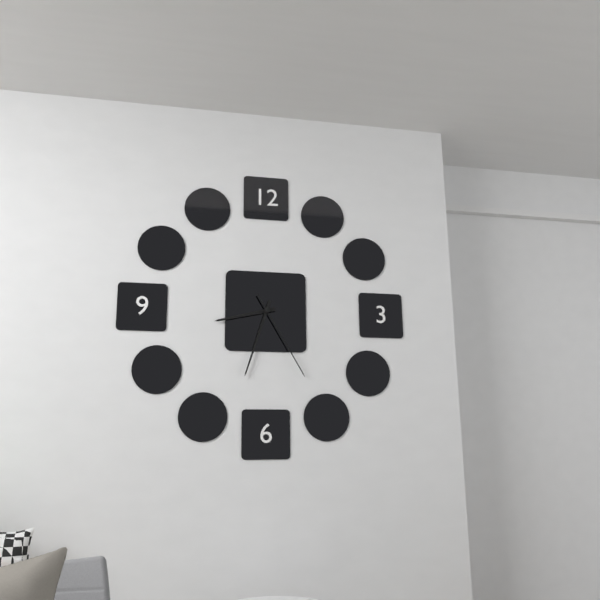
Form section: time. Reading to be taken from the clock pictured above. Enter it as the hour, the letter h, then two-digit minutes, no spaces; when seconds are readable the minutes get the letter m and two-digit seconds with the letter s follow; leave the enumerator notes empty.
8h33m25s
